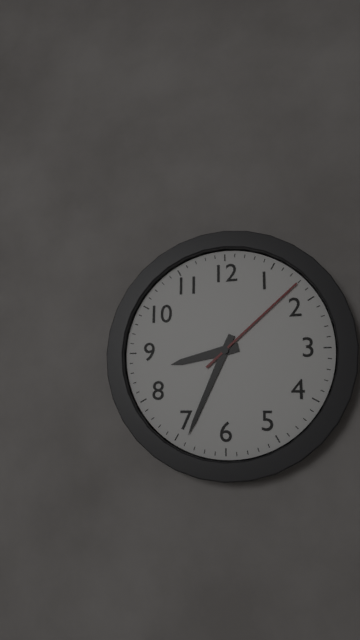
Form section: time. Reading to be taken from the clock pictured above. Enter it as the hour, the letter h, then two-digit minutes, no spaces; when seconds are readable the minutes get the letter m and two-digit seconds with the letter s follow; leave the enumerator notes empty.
8h34m08s
